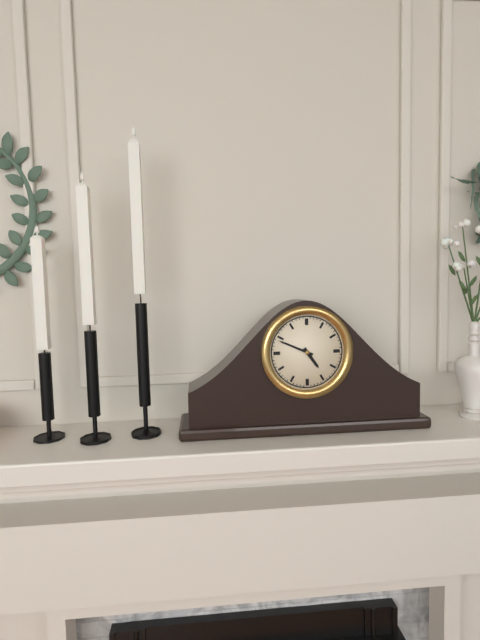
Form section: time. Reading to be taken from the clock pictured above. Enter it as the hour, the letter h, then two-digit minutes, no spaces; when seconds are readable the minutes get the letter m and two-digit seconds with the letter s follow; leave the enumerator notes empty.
4h49
